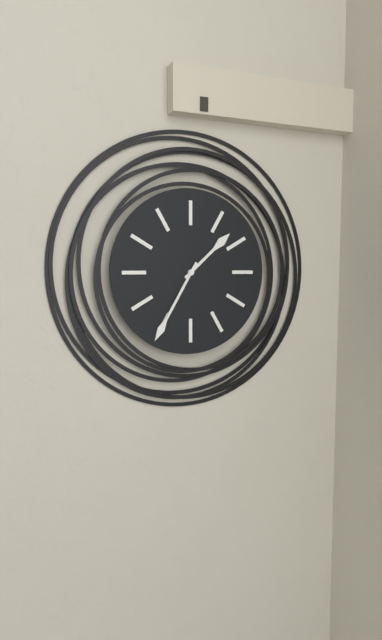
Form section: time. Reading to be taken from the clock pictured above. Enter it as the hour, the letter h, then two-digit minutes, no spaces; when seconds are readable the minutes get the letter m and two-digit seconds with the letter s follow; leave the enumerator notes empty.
1h35
